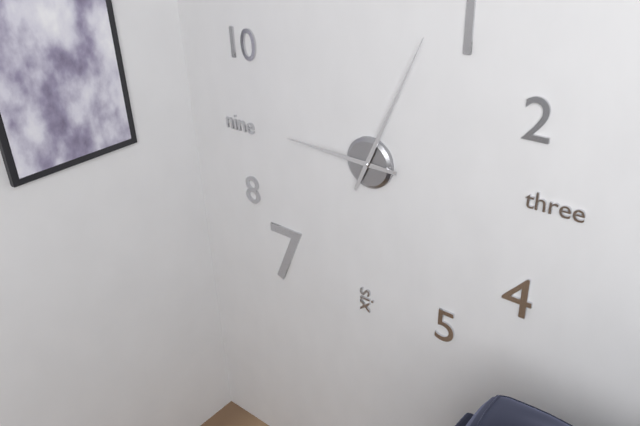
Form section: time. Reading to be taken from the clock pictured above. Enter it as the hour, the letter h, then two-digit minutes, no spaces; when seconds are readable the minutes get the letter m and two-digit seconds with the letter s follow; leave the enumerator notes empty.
9h04
